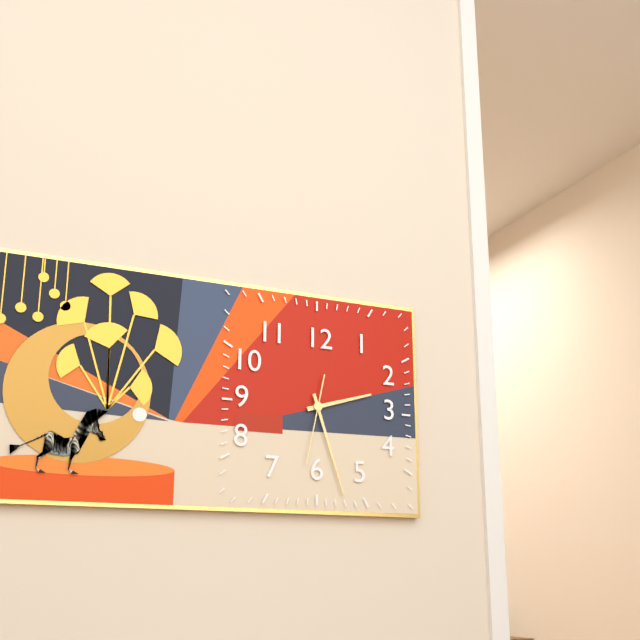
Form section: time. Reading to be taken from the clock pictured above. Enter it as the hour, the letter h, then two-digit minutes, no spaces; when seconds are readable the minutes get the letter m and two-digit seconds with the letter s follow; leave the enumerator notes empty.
2h27m32s
